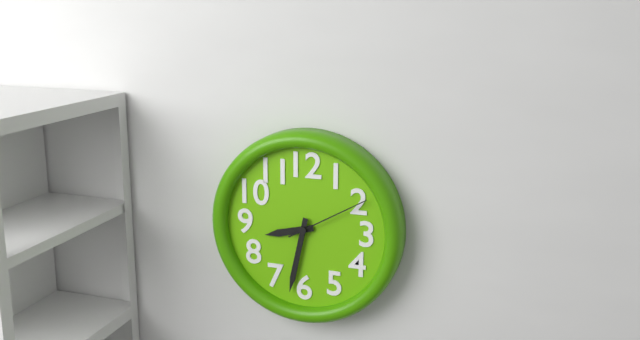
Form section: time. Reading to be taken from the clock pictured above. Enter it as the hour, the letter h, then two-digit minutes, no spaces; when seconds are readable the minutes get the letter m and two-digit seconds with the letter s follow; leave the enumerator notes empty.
8h32m10s
